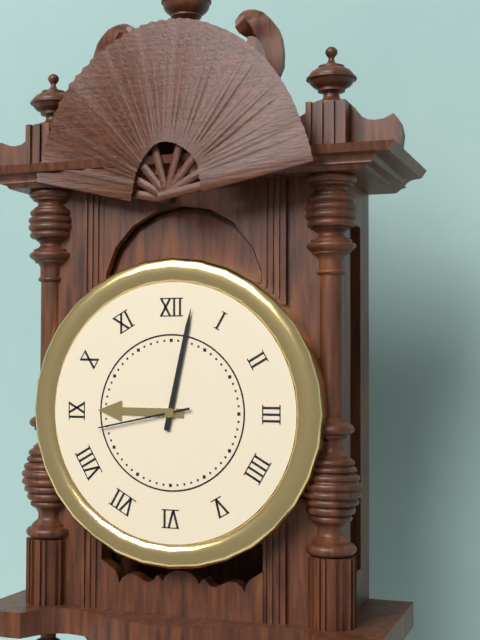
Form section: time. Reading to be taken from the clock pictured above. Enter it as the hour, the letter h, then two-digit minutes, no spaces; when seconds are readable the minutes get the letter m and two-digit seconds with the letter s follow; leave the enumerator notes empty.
9h02m43s
